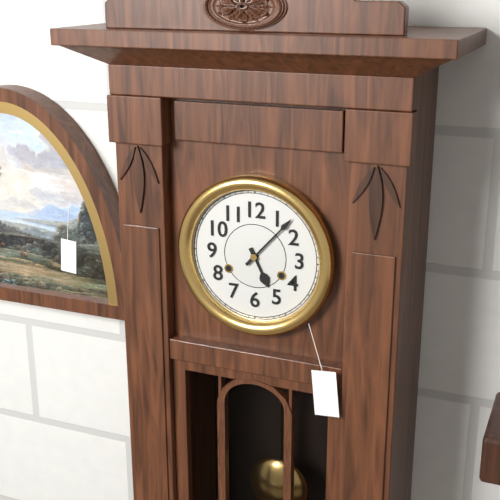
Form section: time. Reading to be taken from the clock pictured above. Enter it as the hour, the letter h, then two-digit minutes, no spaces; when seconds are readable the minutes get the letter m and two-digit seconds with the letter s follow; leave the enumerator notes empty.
5h07
